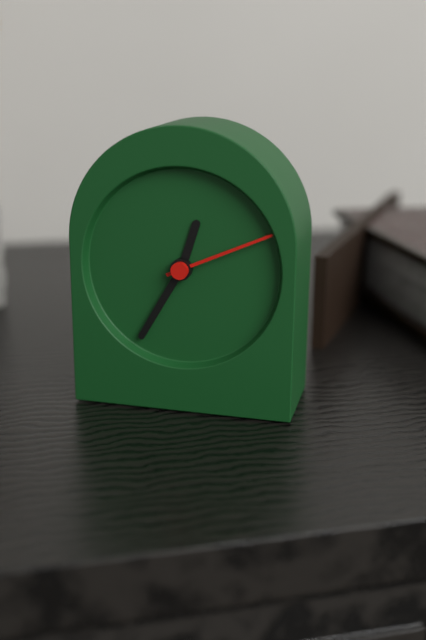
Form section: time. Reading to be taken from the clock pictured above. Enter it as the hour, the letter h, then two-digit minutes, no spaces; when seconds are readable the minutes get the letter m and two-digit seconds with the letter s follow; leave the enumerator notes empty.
12h35m11s
